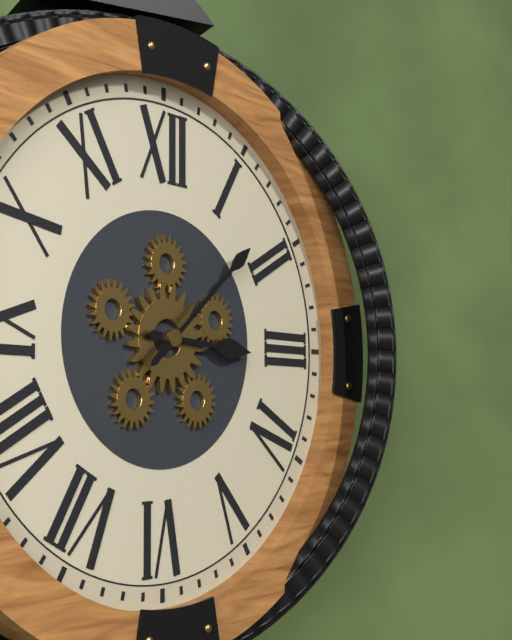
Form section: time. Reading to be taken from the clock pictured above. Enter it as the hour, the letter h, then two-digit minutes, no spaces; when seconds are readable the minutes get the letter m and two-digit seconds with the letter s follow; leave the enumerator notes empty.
3h08
